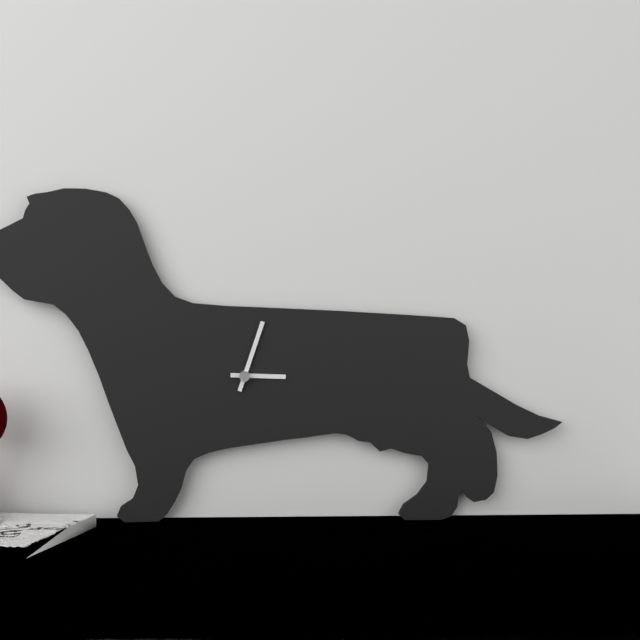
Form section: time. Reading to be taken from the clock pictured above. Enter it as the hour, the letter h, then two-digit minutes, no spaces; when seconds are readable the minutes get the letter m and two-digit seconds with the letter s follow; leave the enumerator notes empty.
3h03
